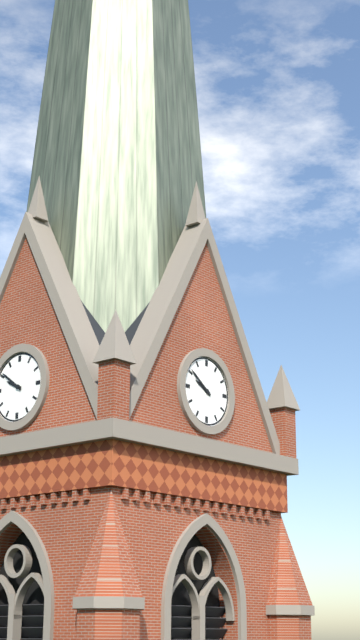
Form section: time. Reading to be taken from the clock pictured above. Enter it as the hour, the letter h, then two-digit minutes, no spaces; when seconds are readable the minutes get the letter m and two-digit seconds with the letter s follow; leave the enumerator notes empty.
9h51
